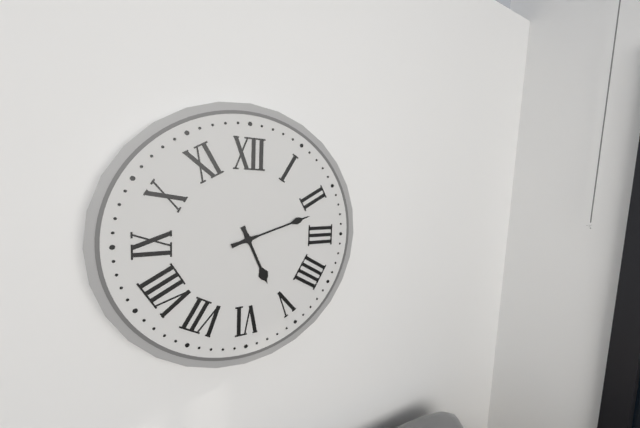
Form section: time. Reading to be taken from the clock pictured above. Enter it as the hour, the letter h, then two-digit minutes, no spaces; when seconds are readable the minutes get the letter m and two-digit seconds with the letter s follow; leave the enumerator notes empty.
5h12
